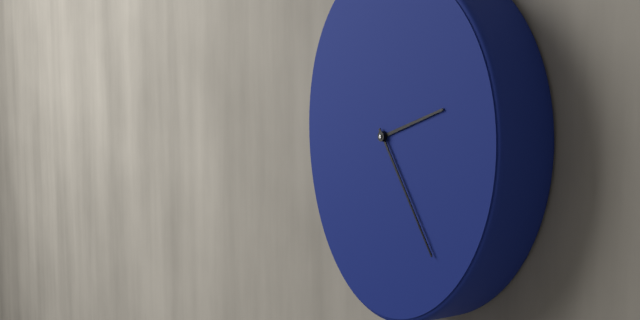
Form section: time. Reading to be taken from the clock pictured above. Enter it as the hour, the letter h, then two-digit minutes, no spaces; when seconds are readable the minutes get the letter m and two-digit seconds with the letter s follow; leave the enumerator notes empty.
2h24
